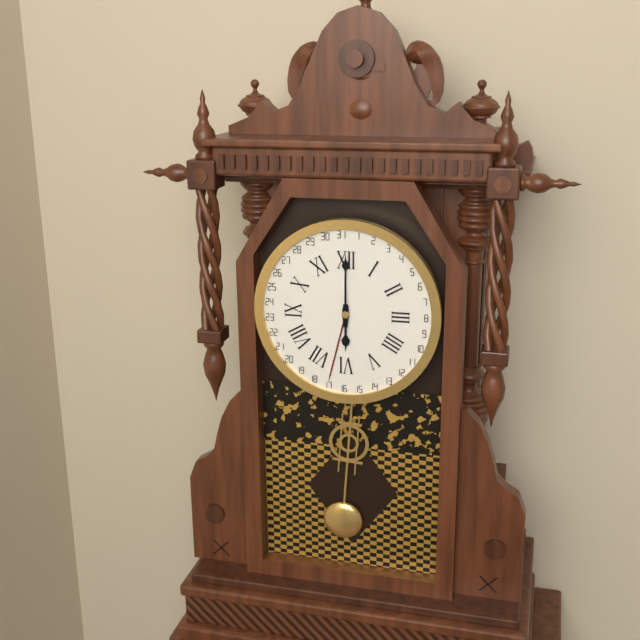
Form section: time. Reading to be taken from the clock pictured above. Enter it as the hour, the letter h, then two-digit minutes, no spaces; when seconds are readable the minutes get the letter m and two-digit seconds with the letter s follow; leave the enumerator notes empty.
6h00
